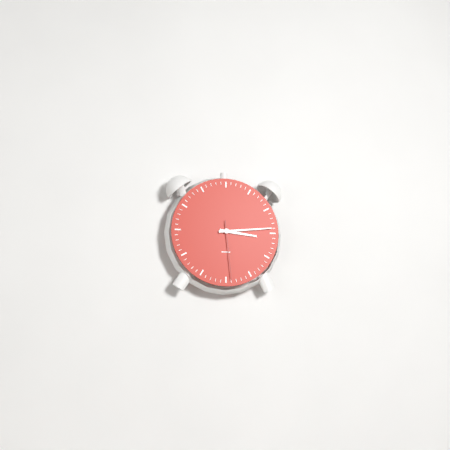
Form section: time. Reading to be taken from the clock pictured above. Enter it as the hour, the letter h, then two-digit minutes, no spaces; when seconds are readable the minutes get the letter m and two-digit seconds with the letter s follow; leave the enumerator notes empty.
3h14m29s
